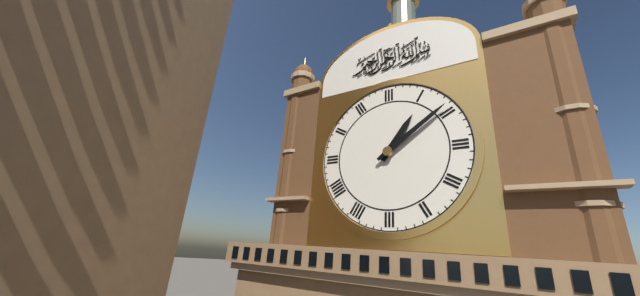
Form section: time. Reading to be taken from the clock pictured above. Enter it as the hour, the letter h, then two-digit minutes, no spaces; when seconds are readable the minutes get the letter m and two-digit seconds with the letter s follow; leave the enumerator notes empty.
1h09
